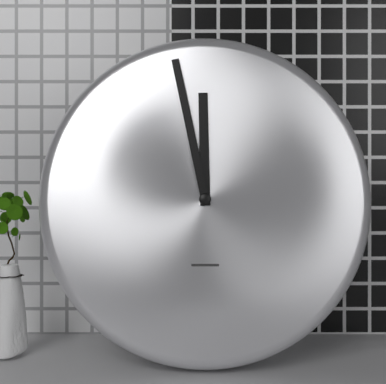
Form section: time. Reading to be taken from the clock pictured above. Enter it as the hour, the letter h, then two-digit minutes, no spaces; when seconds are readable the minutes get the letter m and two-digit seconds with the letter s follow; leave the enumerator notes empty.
11h58
